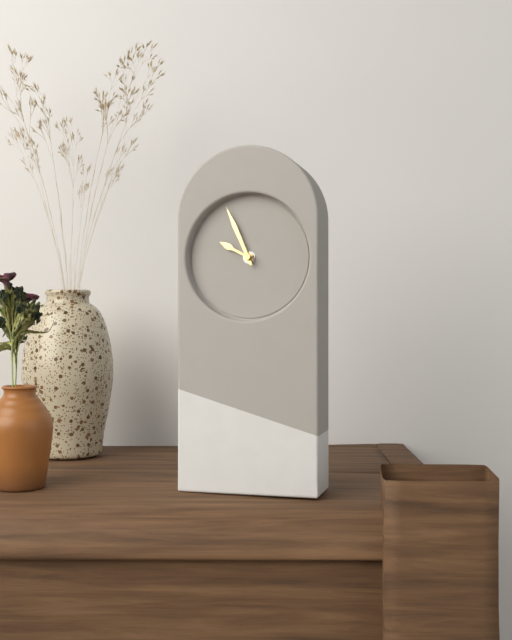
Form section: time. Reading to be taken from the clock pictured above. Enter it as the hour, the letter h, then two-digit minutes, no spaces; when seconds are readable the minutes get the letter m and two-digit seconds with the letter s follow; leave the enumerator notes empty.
9h56
